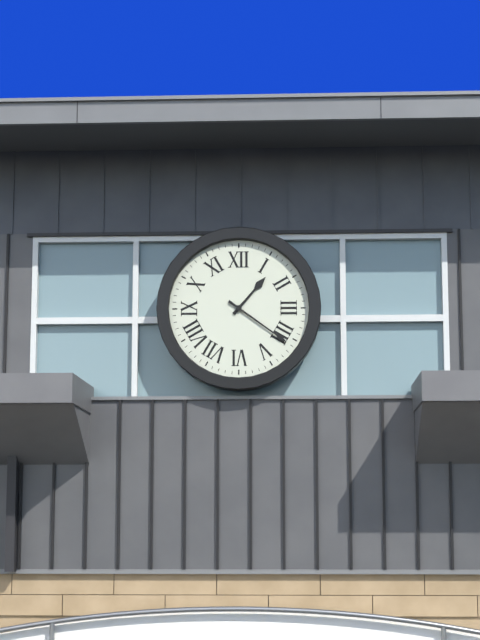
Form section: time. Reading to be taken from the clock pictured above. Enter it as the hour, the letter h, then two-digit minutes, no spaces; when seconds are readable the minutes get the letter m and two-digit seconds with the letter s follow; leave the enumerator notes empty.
1h21
